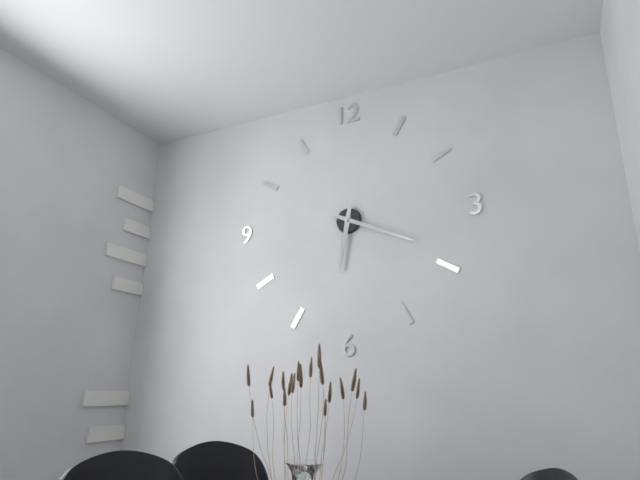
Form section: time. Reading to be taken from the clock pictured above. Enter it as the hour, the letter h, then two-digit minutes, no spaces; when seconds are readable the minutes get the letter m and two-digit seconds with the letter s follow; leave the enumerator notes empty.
6h19
